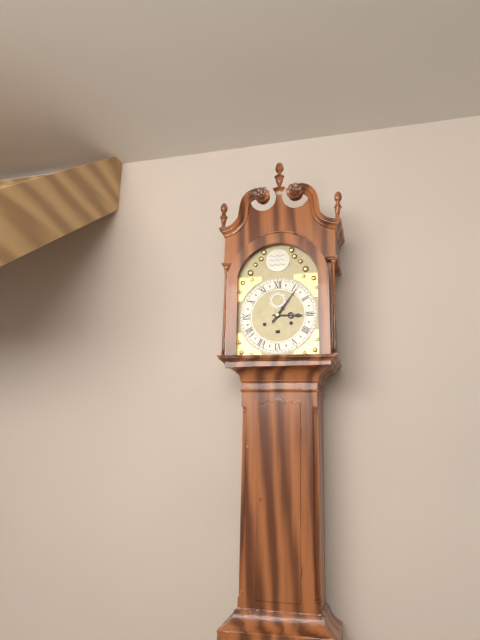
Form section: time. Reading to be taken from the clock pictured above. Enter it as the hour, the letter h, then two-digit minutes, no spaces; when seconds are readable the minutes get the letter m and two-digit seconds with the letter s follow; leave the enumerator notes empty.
3h06
